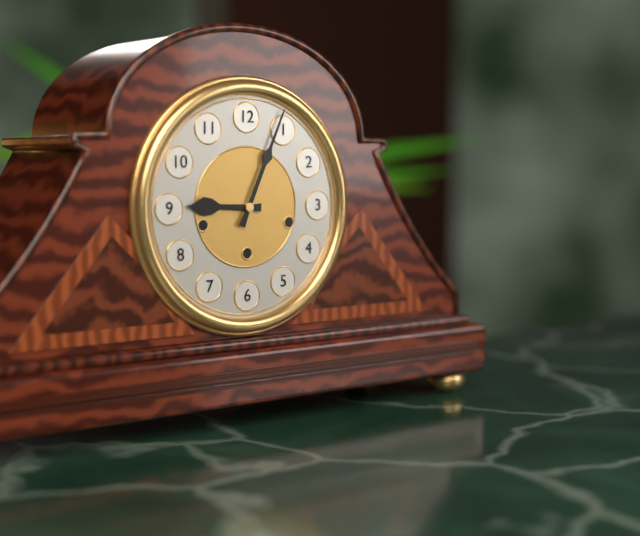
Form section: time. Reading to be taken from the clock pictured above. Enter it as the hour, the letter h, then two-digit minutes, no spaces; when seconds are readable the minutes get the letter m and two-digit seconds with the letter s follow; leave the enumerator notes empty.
9h04
